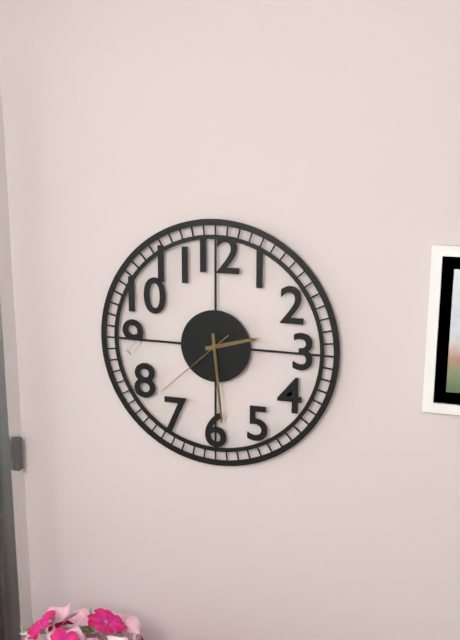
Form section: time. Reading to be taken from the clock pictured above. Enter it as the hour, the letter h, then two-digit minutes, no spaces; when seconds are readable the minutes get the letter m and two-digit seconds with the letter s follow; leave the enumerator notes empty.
2h29m38s
